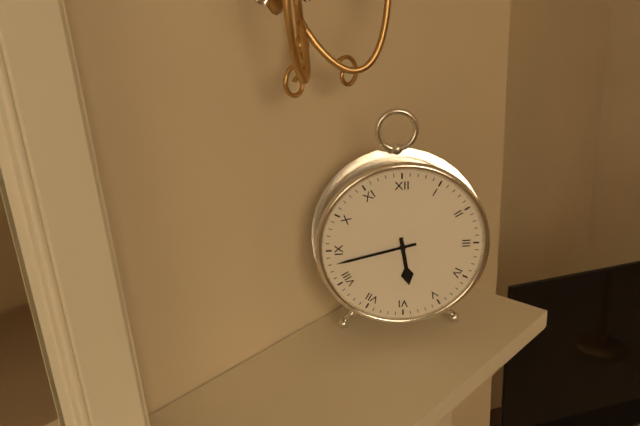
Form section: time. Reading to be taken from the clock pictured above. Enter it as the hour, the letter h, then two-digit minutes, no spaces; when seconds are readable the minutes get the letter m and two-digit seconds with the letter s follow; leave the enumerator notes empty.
5h43
